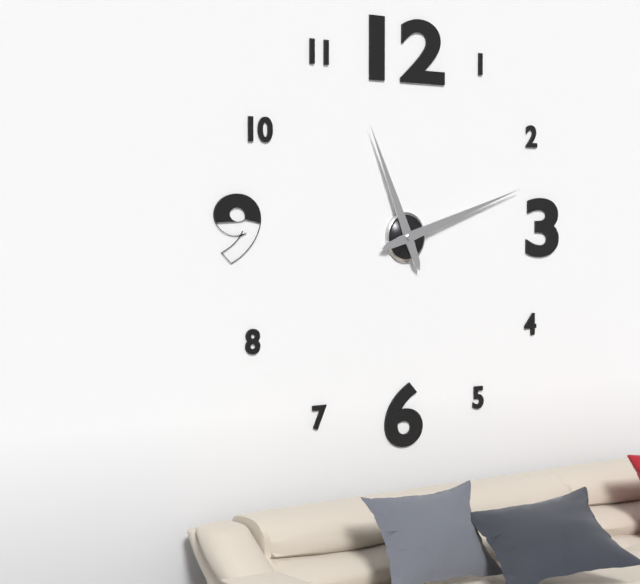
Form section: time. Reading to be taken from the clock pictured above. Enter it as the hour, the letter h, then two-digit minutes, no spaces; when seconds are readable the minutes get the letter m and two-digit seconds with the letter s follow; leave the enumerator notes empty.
11h12
